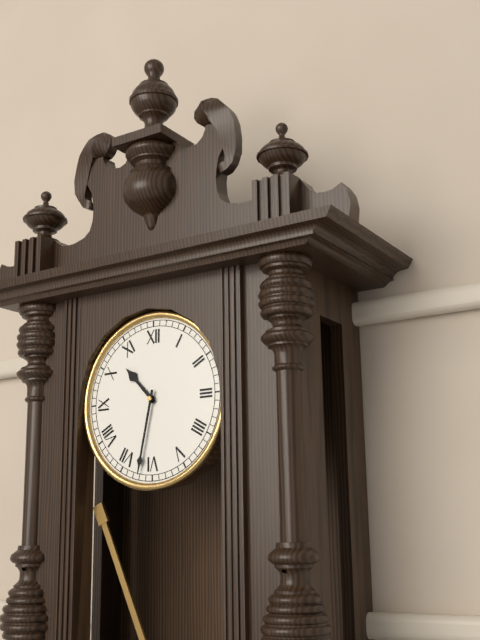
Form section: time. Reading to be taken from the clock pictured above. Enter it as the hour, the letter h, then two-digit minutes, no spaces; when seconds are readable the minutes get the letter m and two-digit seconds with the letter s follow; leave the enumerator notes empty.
10h32
